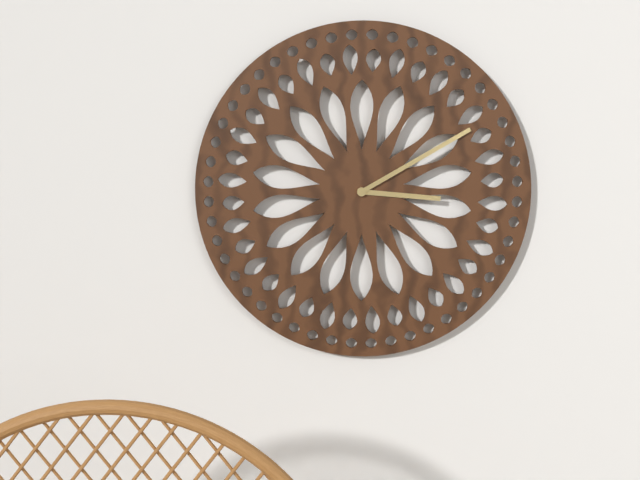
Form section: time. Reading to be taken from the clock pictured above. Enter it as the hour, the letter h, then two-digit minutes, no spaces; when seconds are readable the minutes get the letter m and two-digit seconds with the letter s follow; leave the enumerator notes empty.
3h10
